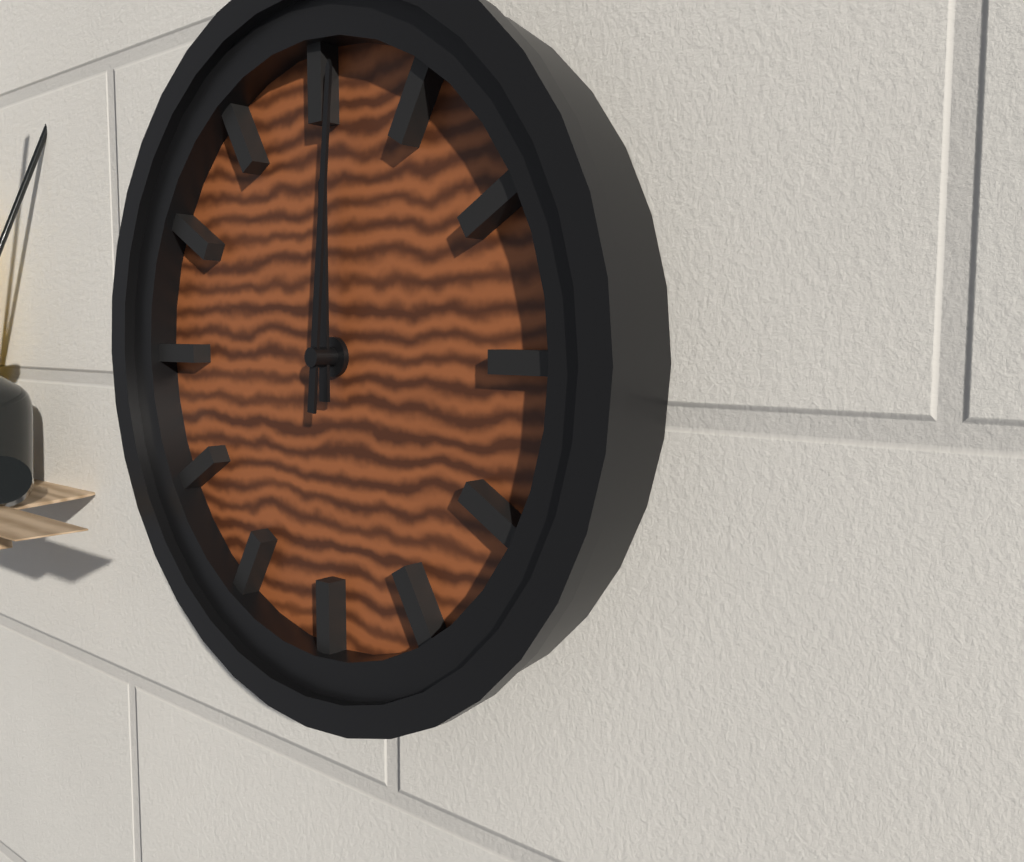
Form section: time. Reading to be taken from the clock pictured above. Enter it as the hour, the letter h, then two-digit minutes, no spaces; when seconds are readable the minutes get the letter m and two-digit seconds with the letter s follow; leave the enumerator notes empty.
12h01
